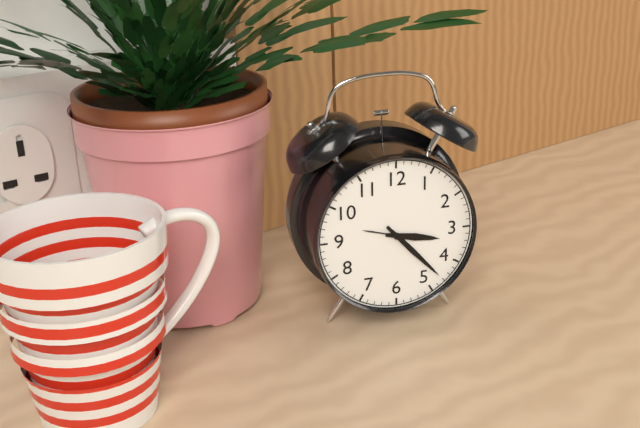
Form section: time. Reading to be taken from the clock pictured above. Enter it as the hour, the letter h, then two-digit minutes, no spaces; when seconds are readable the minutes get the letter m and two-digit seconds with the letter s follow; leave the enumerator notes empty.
3h23
